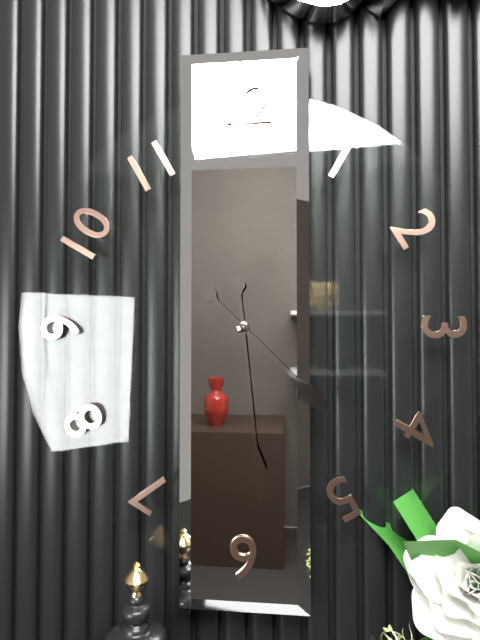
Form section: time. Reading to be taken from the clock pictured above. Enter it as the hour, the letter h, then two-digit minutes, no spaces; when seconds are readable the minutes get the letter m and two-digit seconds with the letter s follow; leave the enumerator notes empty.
4h29
